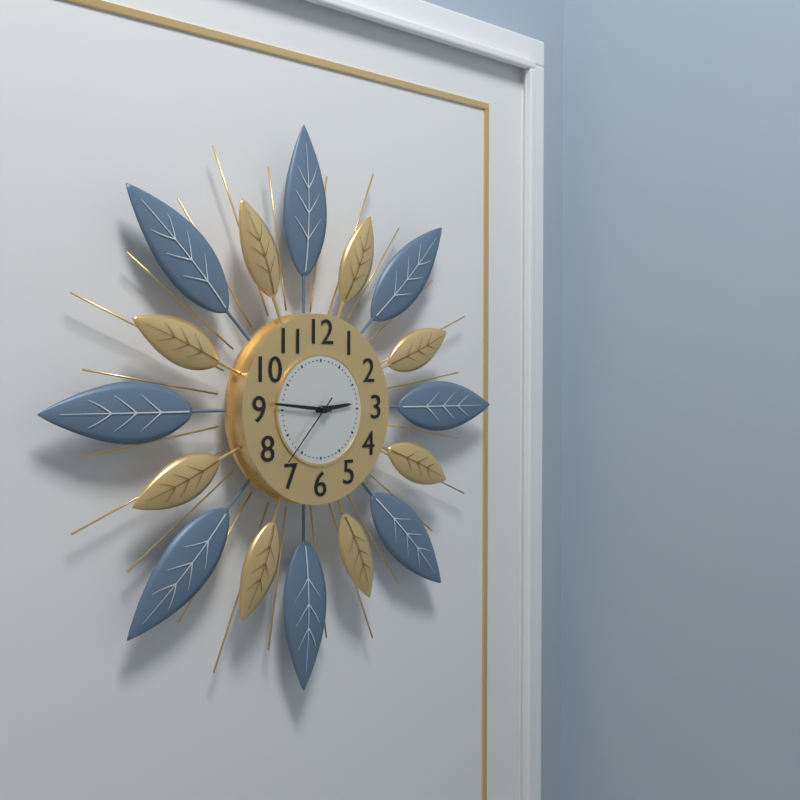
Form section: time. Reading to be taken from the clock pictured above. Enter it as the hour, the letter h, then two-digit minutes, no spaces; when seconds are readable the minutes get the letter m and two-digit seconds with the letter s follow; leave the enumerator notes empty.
2h46m37s
